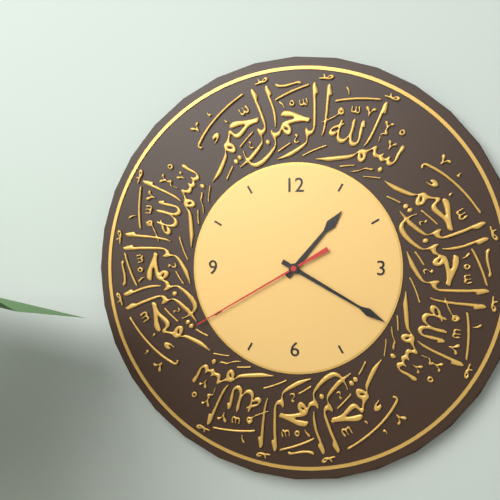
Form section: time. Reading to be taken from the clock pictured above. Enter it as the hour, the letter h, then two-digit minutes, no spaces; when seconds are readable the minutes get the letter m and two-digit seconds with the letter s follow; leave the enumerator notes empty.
1h20m40s
